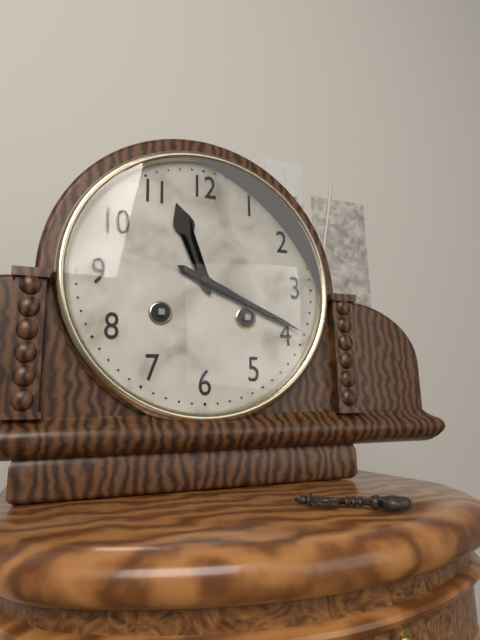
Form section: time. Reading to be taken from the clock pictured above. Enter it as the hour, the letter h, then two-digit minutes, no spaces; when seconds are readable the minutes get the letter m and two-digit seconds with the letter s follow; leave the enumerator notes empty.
11h19
